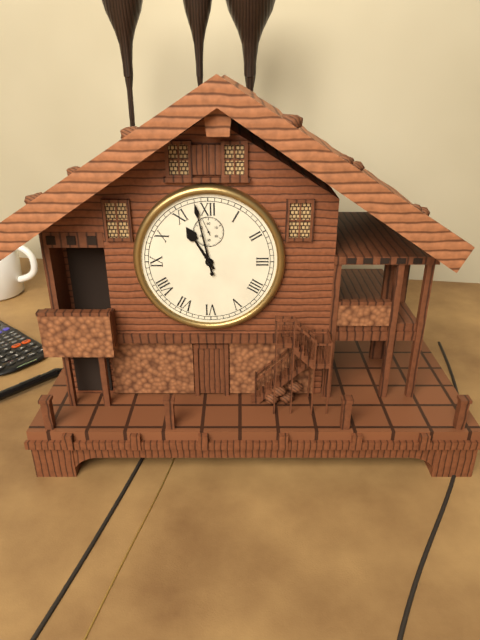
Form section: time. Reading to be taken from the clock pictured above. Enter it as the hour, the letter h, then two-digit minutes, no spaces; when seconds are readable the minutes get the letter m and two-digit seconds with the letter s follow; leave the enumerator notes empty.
10h58
